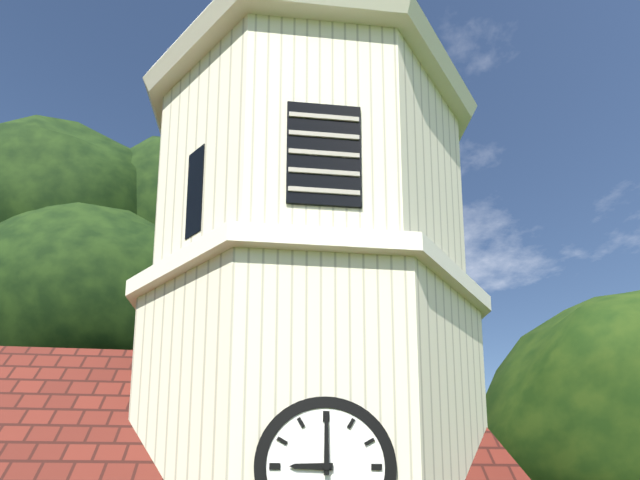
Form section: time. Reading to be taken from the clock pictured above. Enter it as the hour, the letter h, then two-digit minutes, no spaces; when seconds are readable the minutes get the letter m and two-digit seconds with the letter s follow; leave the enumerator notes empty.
9h00
